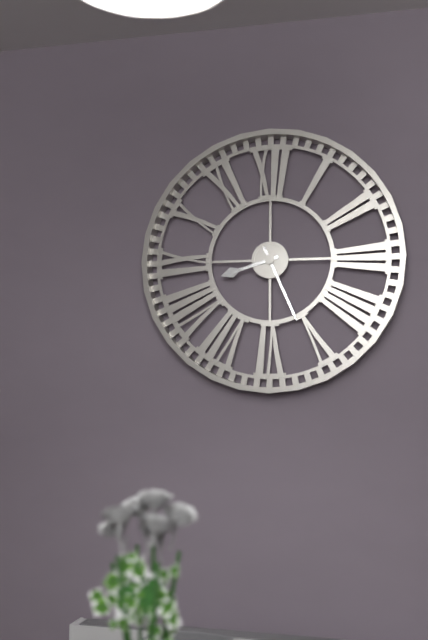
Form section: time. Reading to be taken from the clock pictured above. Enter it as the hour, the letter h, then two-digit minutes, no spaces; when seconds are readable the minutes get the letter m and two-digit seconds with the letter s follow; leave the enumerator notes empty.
8h26
